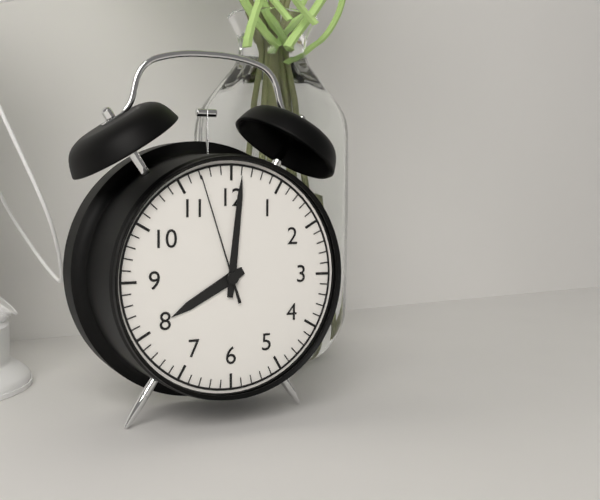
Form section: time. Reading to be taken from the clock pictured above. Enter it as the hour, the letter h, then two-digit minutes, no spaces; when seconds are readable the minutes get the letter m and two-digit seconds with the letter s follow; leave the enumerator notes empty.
8h01m57s
